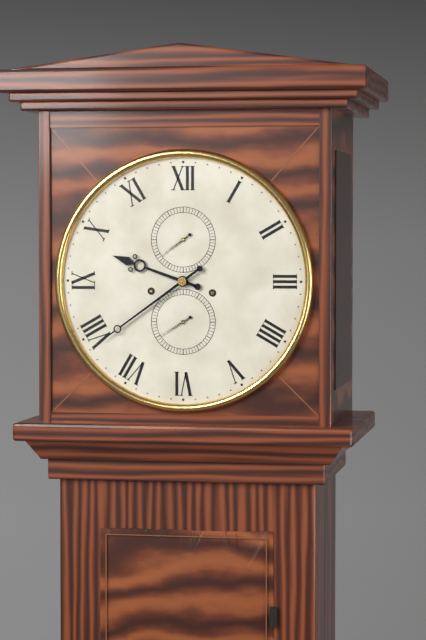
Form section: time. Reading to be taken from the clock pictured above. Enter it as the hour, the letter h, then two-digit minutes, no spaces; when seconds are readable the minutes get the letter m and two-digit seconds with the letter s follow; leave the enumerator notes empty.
9h39
